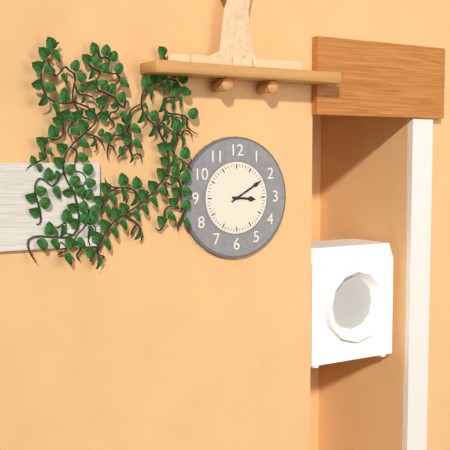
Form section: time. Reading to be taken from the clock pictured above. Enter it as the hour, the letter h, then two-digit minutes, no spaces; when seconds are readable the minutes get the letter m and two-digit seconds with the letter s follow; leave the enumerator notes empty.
3h10
